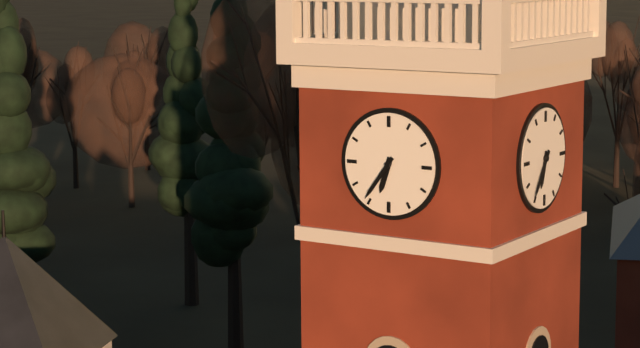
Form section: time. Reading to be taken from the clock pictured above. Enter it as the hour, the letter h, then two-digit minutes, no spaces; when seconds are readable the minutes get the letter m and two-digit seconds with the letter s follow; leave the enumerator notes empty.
6h36
